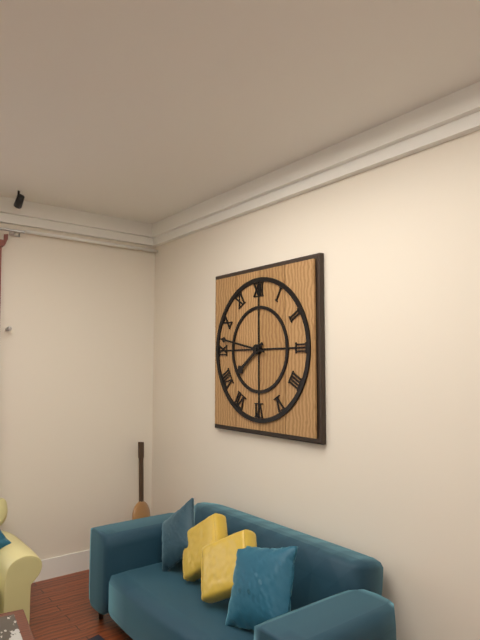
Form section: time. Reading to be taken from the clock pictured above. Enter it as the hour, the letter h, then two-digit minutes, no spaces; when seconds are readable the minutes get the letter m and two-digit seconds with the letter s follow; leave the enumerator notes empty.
7h47
